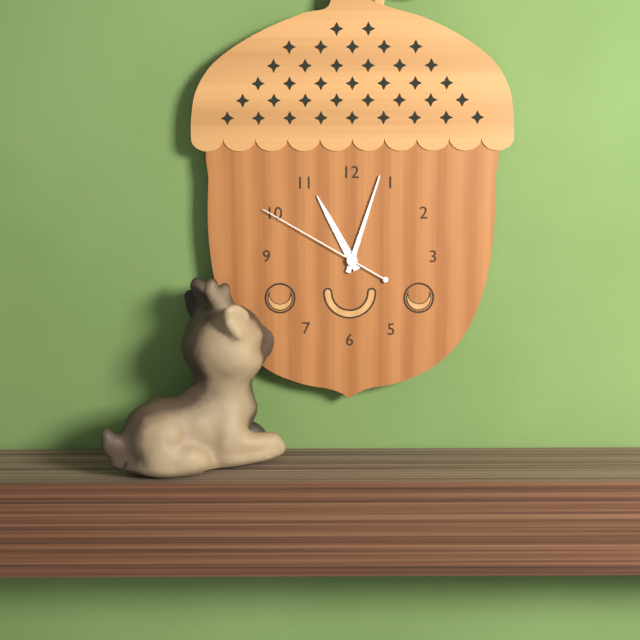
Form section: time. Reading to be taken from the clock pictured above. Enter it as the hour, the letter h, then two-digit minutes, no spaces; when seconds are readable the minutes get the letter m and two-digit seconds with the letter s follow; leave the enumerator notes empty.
11h03m50s
